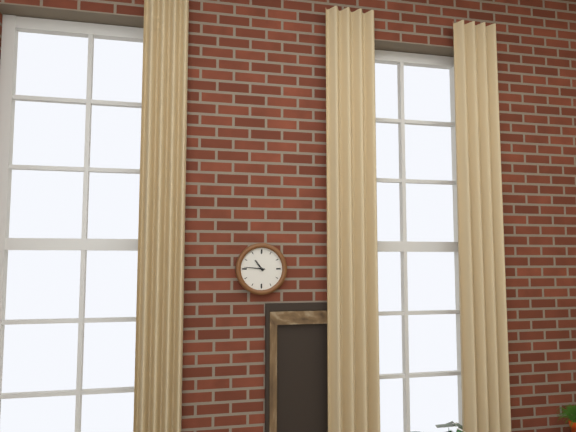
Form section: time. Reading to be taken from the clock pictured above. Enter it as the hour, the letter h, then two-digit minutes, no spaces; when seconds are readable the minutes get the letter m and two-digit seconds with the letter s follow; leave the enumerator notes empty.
10h46
